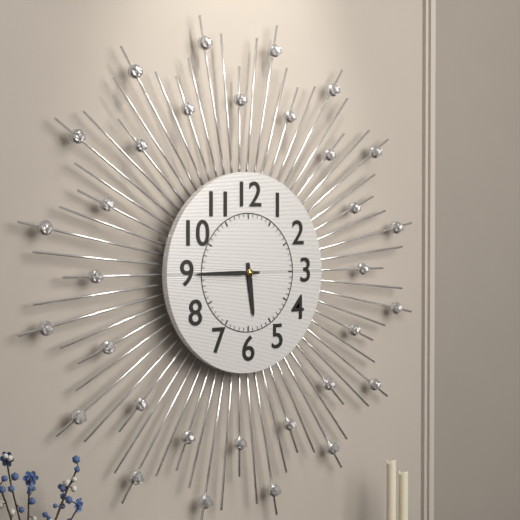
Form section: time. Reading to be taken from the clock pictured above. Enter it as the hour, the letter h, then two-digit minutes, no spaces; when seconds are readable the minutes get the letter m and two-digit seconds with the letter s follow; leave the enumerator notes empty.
5h45
